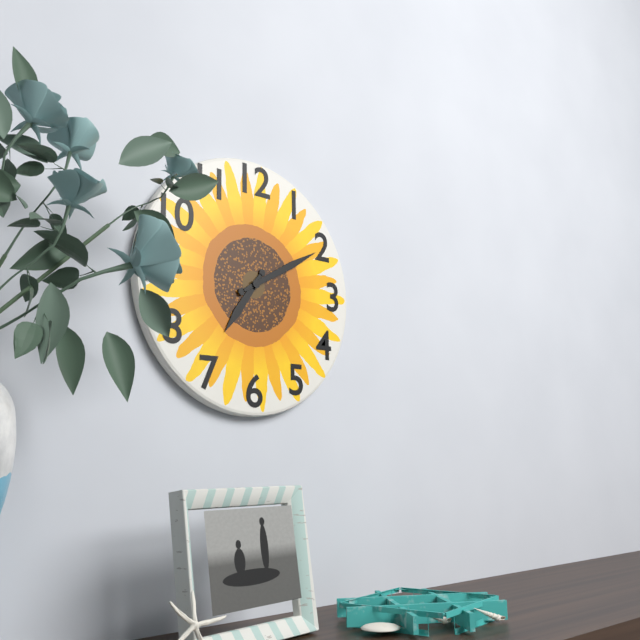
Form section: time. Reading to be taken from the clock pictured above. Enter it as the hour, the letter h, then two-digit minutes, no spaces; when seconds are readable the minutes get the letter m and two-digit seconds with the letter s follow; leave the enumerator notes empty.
7h10
